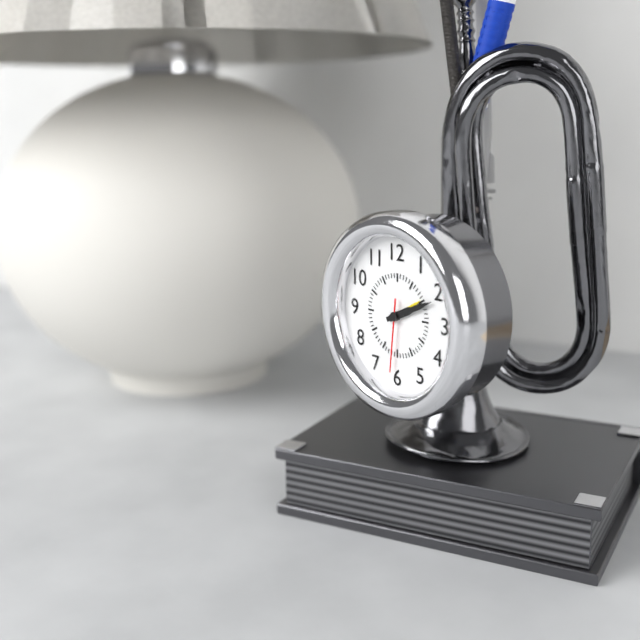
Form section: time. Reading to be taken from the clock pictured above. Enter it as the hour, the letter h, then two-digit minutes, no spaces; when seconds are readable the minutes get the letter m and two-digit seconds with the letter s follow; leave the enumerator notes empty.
2h11m31s
